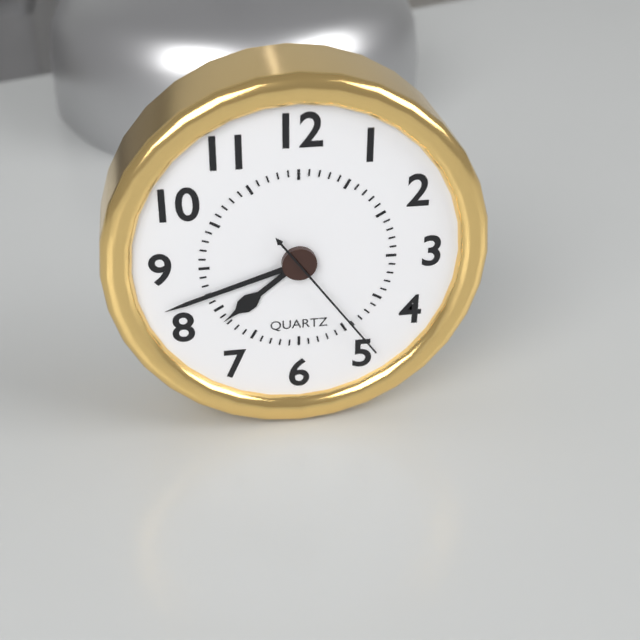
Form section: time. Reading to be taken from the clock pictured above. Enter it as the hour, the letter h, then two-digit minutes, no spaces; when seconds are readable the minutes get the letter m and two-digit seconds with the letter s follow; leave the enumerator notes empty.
7h42m24s
